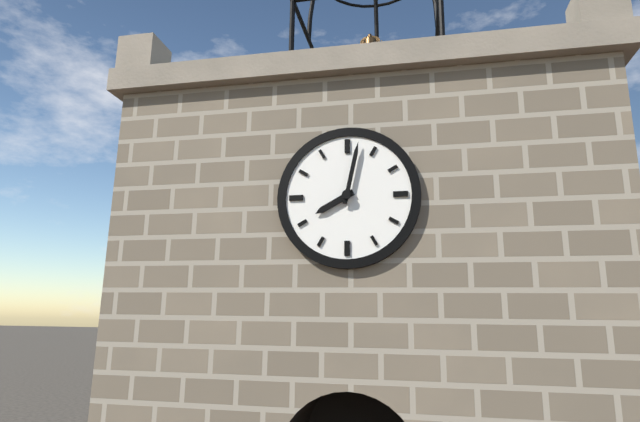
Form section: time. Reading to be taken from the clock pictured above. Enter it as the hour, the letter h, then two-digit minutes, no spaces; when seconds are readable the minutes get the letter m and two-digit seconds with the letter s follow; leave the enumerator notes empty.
8h02
